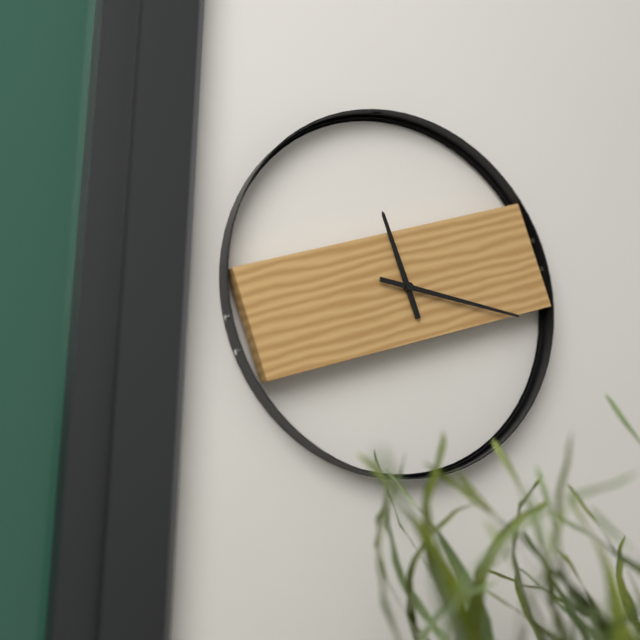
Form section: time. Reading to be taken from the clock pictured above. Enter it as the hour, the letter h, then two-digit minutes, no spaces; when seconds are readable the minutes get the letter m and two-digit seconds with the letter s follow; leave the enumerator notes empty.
11h16
